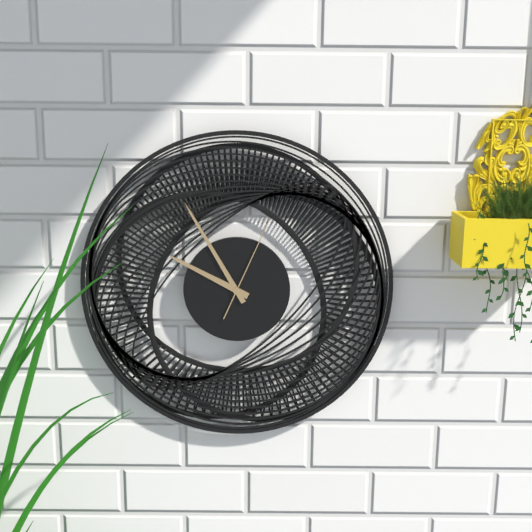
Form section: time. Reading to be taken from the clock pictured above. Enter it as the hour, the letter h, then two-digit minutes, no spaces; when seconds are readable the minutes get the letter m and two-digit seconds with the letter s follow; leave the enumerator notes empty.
9h55m04s
